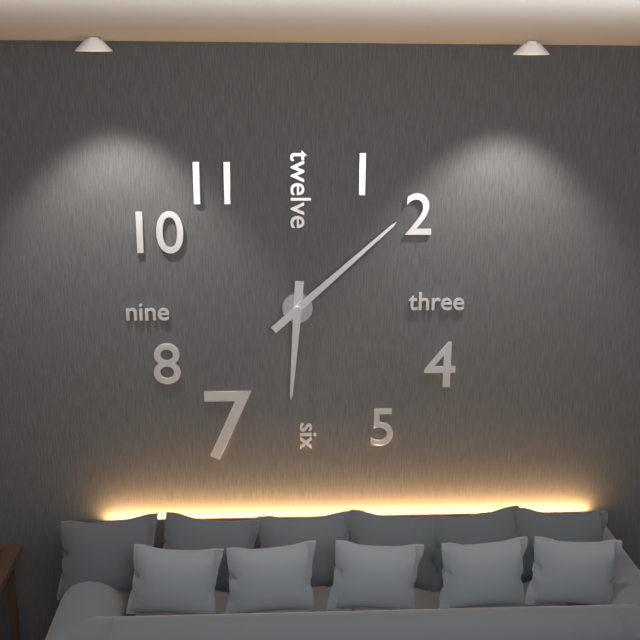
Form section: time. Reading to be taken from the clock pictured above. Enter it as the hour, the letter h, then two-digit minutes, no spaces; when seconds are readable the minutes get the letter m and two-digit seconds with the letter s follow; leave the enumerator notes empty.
6h08
